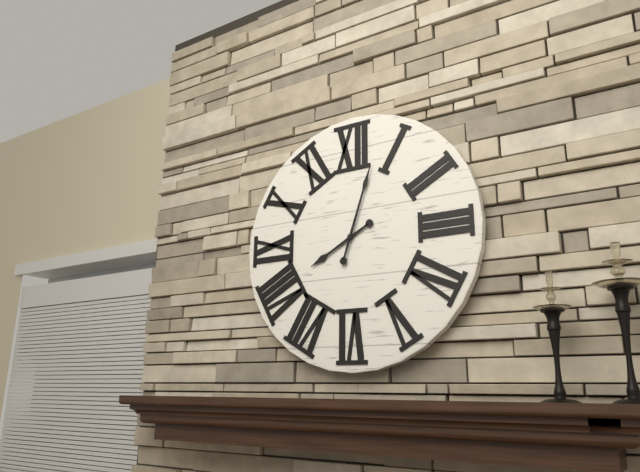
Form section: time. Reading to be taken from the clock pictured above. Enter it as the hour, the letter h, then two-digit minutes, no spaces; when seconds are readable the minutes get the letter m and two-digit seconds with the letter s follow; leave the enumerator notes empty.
8h03
